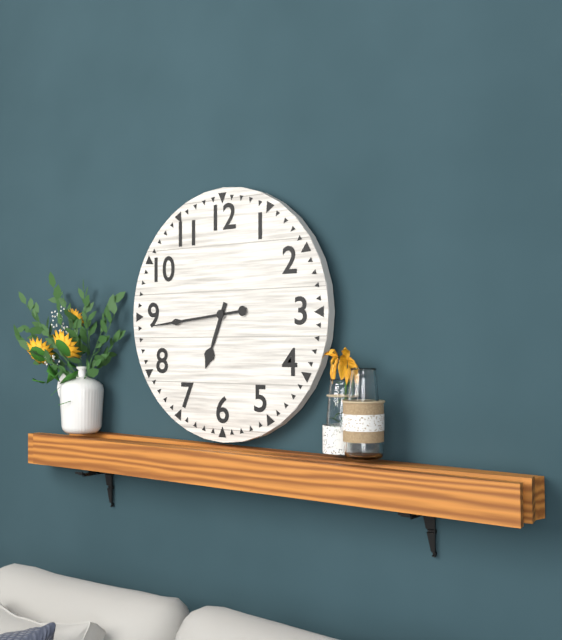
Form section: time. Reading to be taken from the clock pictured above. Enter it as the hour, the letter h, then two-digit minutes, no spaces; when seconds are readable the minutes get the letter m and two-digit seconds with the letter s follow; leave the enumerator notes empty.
6h44
